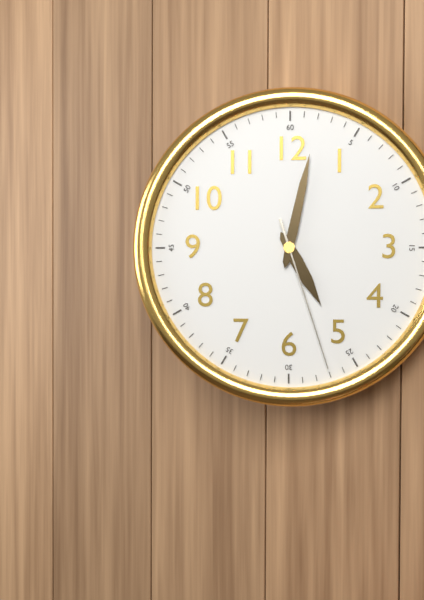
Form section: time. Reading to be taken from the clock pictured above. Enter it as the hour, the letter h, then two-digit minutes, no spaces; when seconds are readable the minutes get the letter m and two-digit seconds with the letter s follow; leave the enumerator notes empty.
5h02m27s
